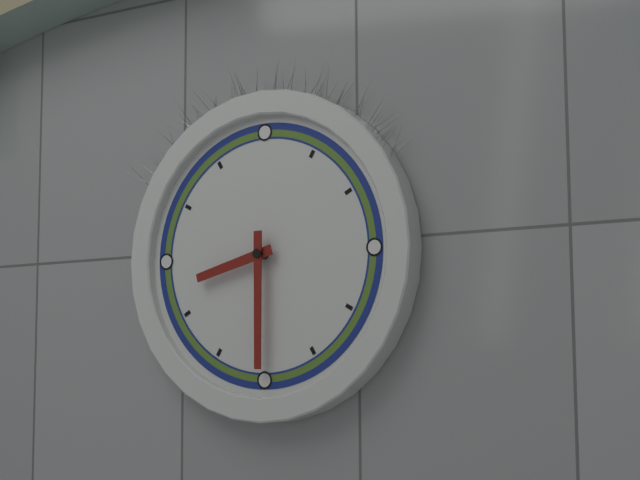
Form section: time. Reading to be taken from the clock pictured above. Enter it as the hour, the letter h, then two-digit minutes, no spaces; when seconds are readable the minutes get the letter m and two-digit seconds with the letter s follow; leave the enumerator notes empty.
8h30
